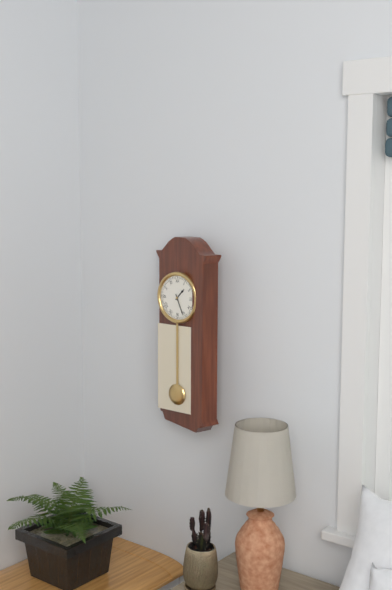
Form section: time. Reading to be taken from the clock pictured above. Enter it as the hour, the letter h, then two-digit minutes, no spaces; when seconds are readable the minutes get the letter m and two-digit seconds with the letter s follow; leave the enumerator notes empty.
1h26
